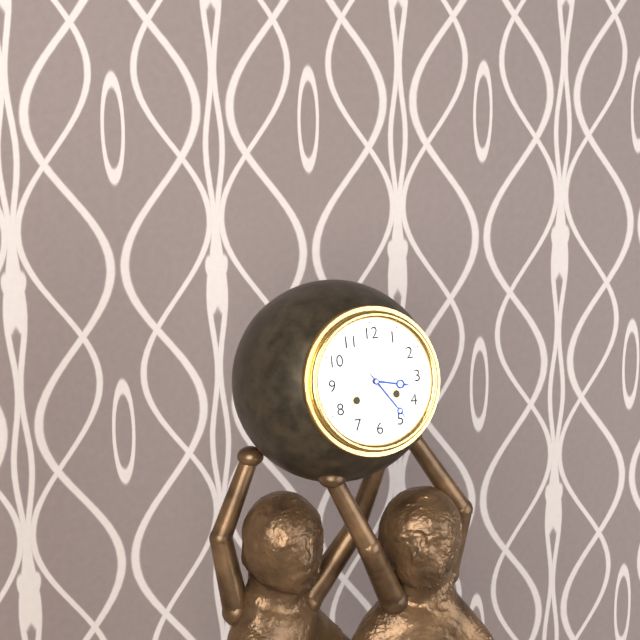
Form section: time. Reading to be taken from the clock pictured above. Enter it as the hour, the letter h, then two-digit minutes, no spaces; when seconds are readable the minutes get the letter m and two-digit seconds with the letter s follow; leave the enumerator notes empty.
3h24
